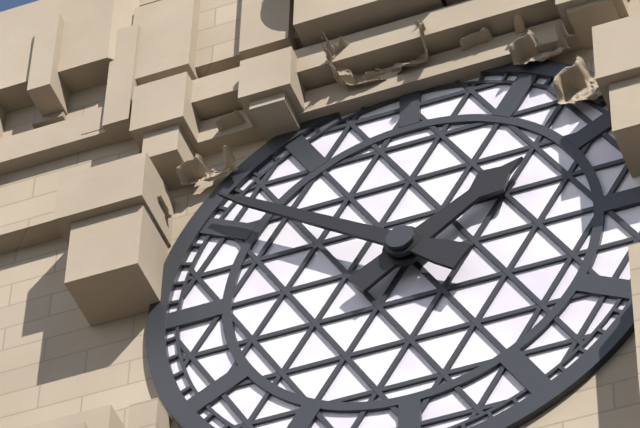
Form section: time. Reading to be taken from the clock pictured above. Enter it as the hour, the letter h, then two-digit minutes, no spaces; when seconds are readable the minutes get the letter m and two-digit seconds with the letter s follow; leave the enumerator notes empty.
1h51
